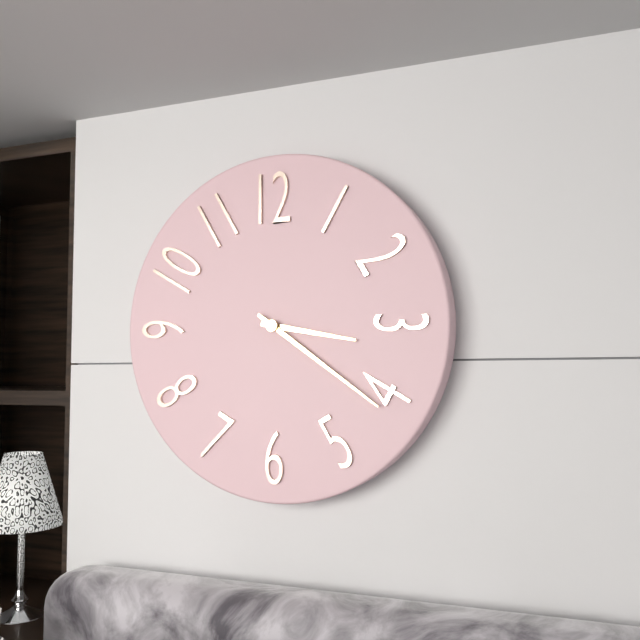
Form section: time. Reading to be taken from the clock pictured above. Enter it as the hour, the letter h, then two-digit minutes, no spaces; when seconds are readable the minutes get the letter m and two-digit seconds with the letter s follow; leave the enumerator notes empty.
3h21
